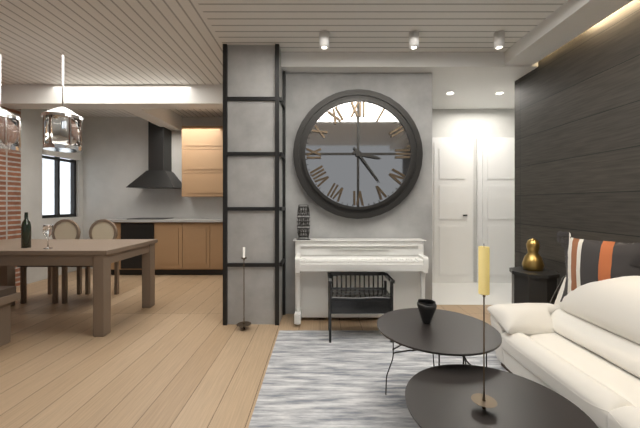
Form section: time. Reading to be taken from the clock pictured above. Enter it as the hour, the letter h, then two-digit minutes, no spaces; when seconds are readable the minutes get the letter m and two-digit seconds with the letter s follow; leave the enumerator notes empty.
3h24
